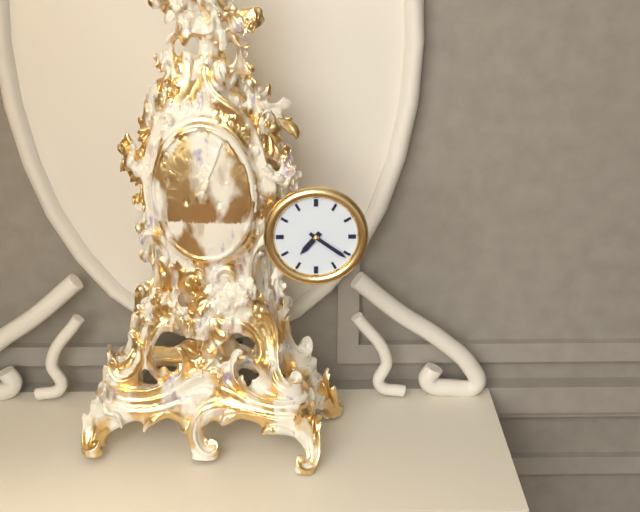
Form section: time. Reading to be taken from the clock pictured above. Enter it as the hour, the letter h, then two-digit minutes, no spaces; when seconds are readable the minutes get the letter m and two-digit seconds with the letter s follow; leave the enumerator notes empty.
7h21
